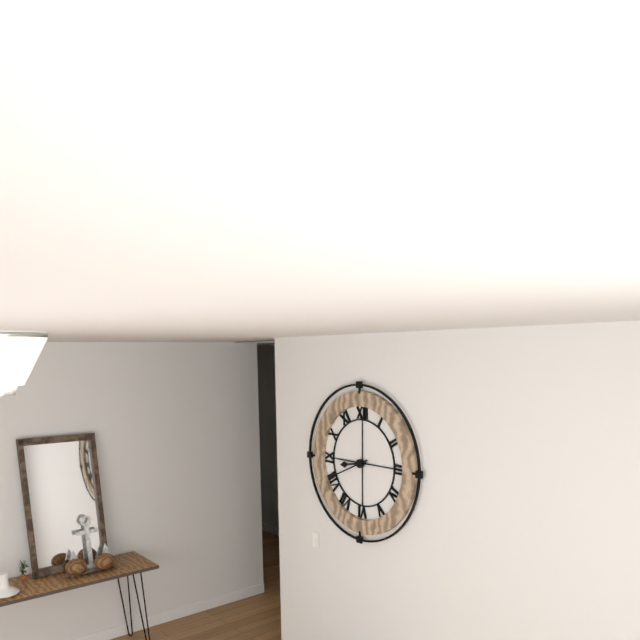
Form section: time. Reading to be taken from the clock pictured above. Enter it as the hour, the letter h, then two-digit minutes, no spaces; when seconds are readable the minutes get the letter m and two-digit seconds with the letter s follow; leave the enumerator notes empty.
8h41
